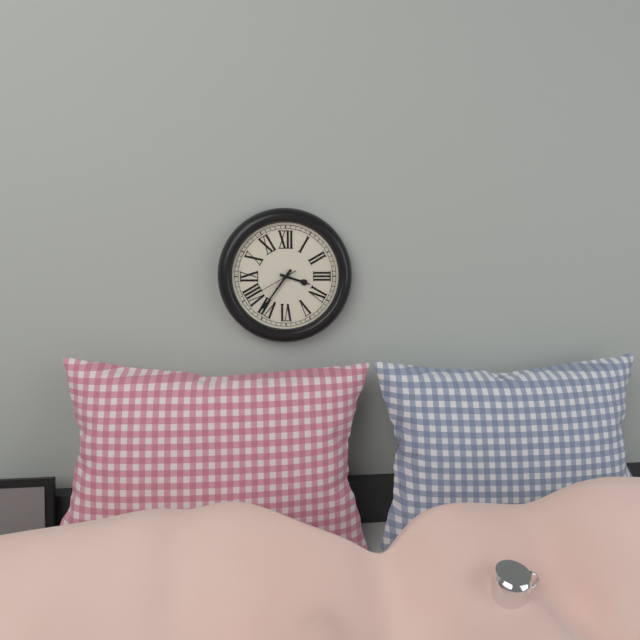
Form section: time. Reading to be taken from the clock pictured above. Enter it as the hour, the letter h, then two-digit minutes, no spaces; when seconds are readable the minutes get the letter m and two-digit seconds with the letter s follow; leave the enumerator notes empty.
3h36m40s
